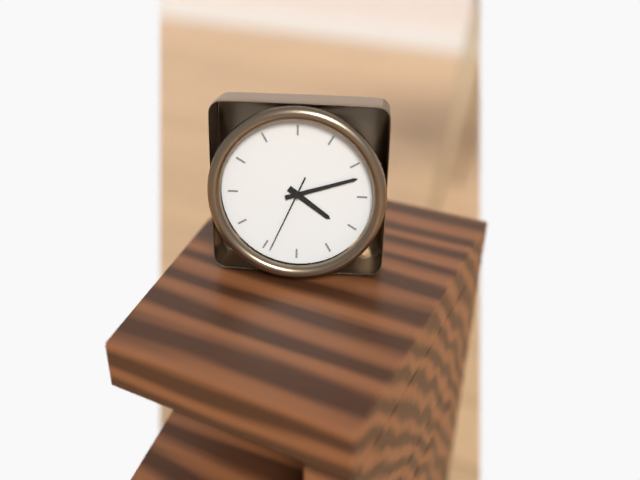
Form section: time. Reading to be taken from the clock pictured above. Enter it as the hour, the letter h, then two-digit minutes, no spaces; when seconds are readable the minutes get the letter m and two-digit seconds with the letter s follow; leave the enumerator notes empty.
4h12m34s
